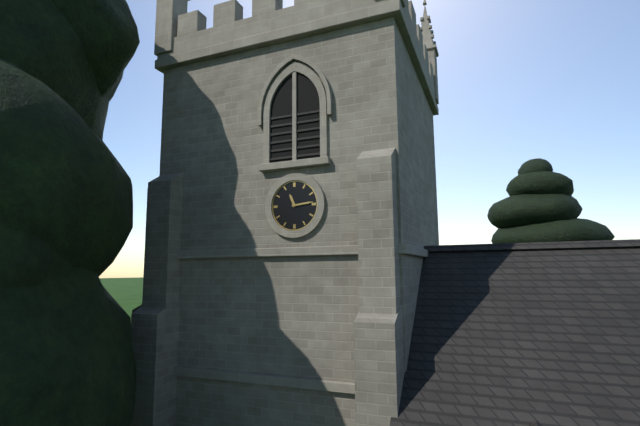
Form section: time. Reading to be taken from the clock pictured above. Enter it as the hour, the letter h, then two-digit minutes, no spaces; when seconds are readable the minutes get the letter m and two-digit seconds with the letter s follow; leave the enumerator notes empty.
11h14
